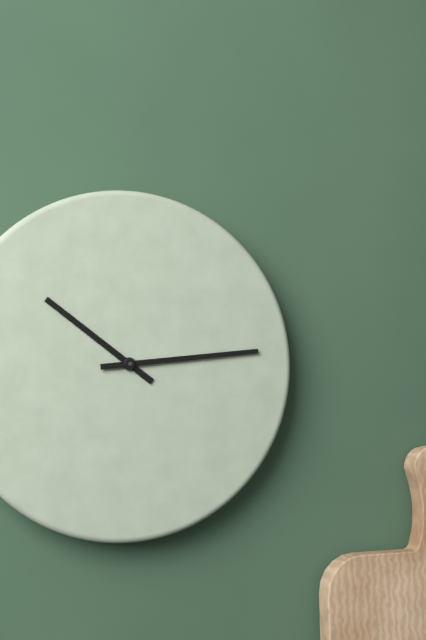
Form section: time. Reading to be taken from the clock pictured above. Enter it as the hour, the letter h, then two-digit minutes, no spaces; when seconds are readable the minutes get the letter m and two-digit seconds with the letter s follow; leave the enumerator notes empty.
10h14
